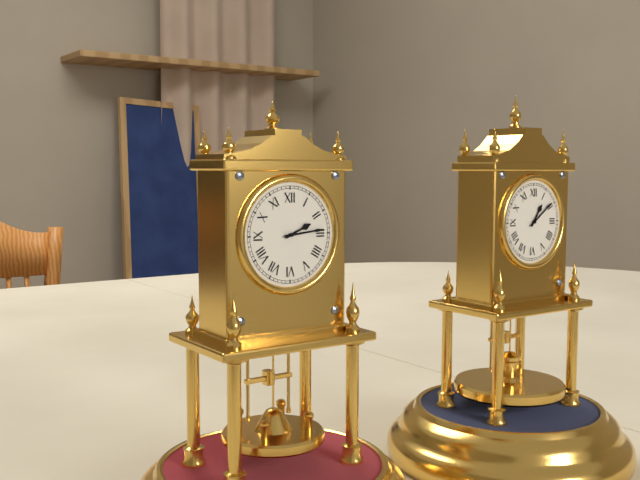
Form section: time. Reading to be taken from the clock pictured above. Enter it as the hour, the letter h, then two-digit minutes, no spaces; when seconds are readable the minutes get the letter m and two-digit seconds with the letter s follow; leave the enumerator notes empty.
2h14
